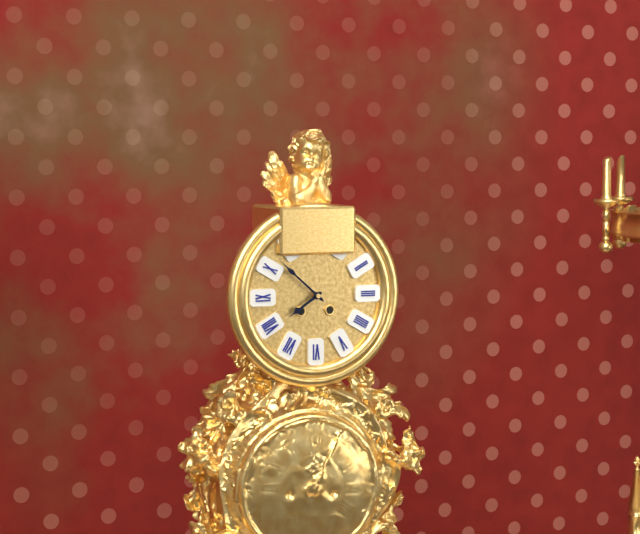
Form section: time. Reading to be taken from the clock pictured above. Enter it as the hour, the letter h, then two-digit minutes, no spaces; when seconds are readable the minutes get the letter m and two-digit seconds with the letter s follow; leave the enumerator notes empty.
7h52
